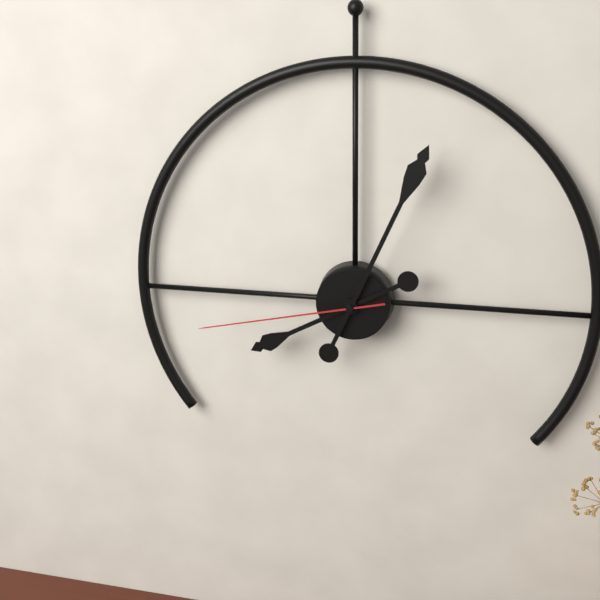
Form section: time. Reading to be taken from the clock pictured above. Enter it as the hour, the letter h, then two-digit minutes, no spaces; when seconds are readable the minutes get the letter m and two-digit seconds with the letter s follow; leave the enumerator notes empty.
8h04m43s
